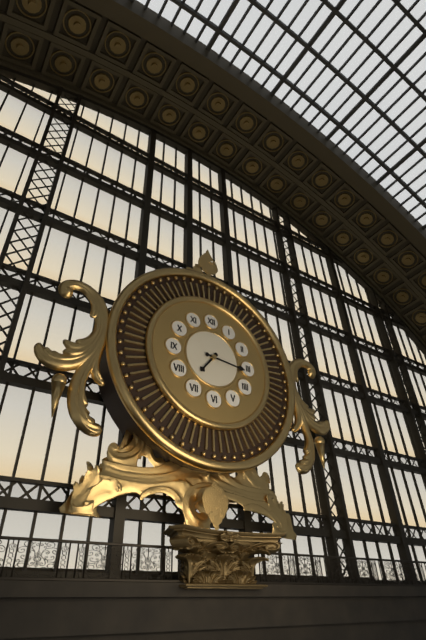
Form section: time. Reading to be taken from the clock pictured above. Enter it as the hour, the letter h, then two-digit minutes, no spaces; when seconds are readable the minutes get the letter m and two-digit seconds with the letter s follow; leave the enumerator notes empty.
7h16
